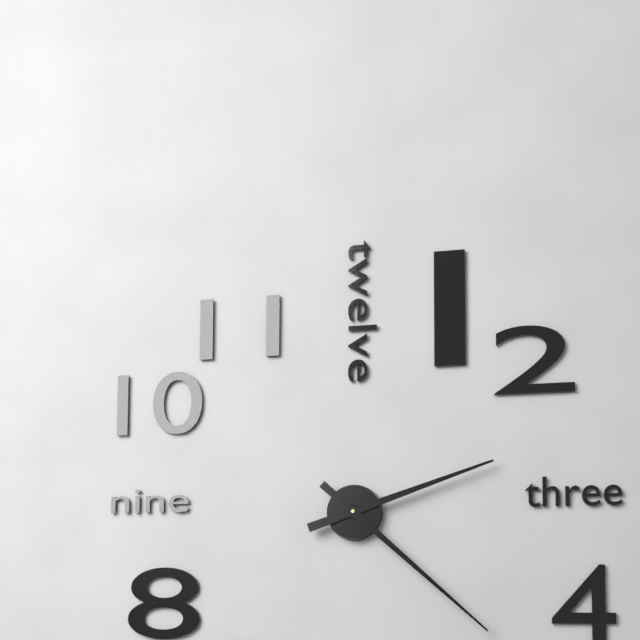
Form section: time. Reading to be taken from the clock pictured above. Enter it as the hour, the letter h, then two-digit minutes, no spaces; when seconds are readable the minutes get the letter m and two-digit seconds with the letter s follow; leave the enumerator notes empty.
2h22
